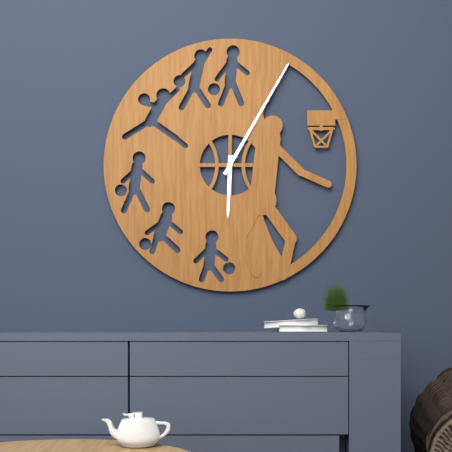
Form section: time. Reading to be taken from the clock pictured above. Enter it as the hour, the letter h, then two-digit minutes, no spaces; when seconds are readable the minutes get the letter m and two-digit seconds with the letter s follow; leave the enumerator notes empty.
6h05
